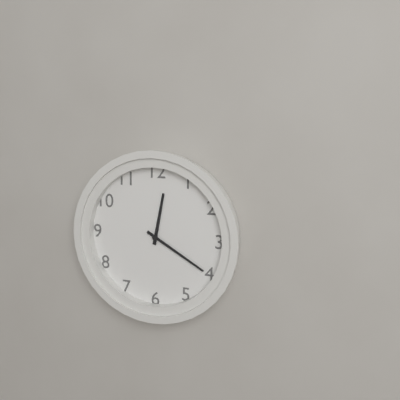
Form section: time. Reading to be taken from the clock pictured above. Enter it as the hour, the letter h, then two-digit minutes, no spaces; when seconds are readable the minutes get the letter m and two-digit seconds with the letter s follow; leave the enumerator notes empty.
12h20
